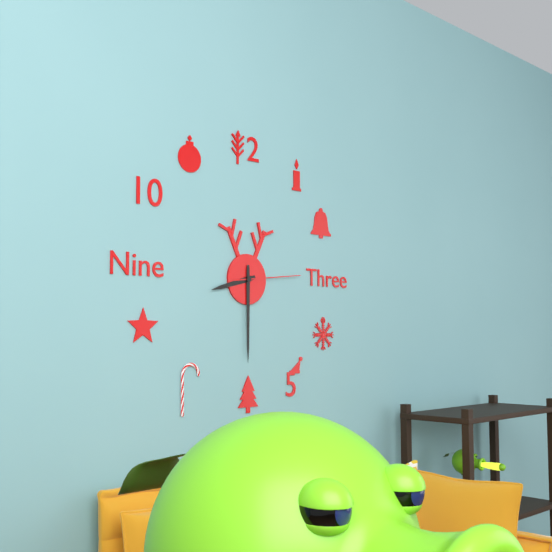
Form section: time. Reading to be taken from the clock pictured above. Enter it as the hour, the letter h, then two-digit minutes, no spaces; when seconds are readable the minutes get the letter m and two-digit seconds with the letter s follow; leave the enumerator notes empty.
8h30m14s
